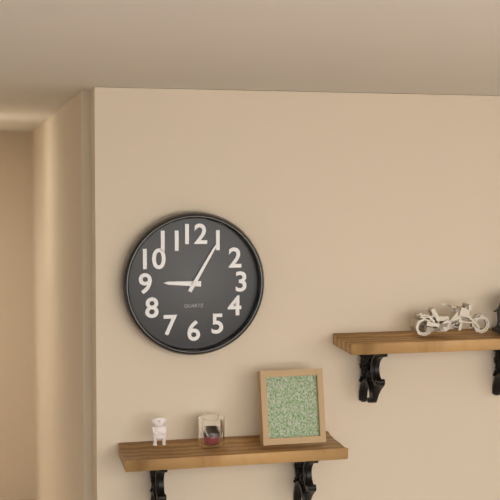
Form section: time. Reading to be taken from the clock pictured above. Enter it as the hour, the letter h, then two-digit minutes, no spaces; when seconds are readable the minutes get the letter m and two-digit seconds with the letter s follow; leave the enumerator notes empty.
9h05
